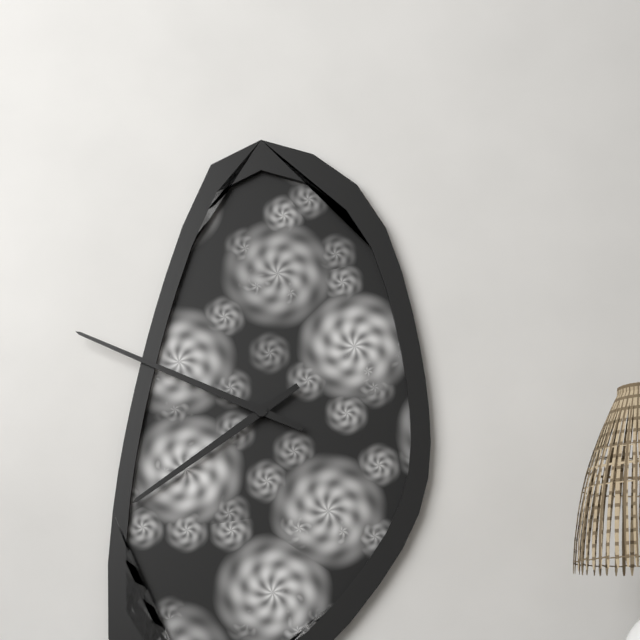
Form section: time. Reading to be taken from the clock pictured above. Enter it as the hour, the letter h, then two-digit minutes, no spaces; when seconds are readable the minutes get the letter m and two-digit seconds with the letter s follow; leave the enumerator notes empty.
7h49
